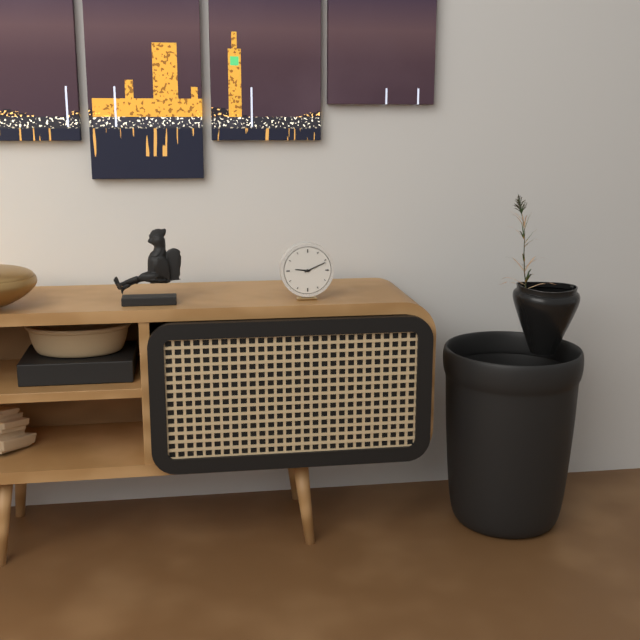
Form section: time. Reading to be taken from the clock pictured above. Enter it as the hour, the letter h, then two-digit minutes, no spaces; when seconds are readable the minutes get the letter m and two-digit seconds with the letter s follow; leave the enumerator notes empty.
9h11
